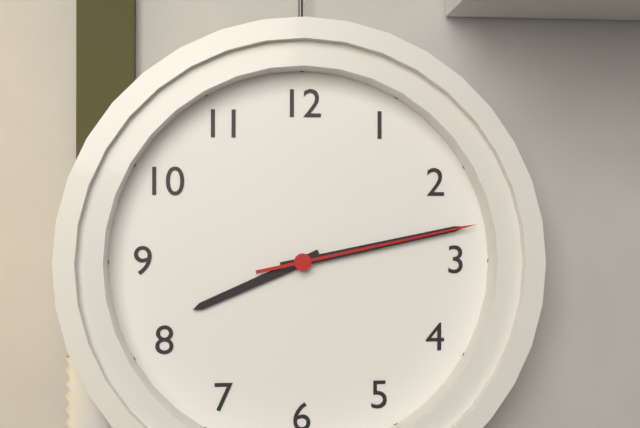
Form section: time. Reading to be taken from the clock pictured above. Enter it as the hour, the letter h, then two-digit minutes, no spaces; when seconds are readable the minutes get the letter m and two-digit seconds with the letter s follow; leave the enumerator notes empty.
8h13m13s
